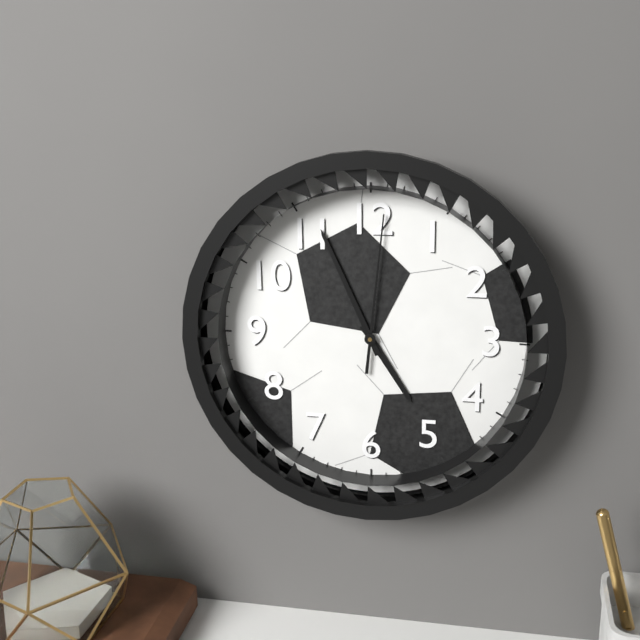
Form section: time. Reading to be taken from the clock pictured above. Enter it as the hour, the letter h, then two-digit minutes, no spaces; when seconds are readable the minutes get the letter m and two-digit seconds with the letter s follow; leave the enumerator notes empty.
4h56m01s
